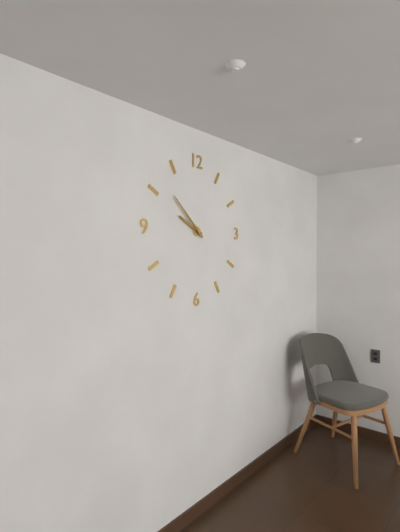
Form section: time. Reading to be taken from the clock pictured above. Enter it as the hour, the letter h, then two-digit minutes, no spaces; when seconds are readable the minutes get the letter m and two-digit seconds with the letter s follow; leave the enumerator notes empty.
9h52
